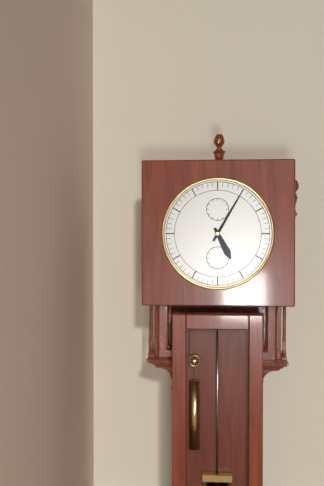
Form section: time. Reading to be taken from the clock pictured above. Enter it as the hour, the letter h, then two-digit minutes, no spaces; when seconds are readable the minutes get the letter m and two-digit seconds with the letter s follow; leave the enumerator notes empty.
5h05
